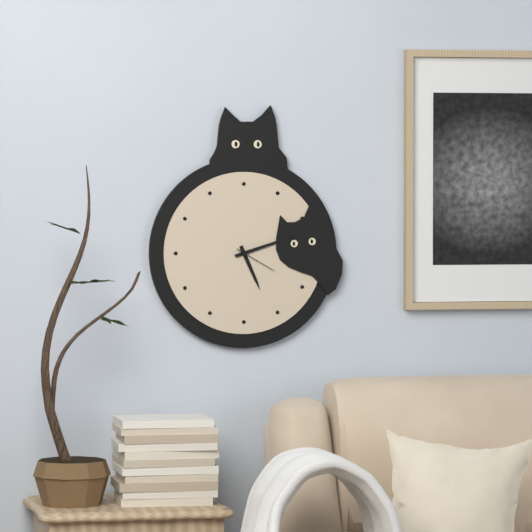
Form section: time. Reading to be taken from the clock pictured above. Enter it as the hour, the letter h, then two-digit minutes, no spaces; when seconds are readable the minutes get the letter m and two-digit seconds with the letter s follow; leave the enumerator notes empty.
5h12
